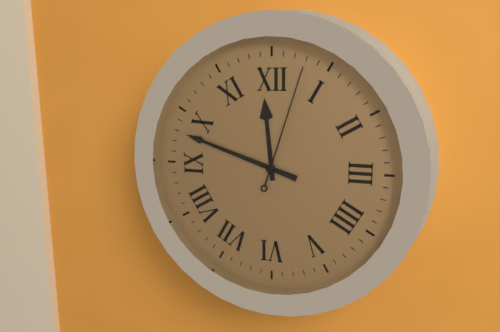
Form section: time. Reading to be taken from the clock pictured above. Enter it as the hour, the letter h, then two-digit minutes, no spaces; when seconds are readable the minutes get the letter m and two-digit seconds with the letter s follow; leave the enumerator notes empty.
11h48m03s
